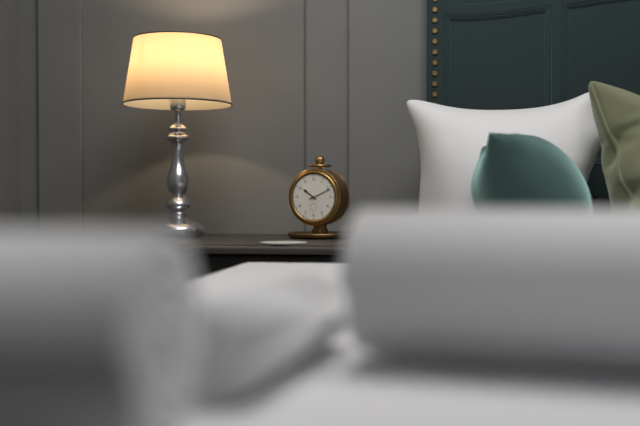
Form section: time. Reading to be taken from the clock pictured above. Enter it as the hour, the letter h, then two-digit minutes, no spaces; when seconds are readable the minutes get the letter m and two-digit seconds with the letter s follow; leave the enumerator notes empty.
10h11
